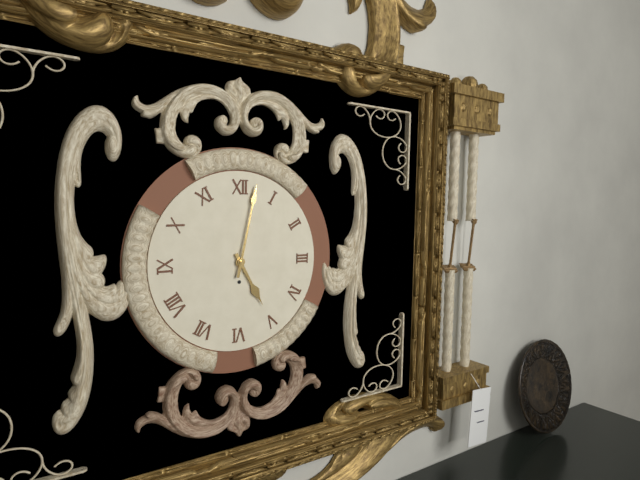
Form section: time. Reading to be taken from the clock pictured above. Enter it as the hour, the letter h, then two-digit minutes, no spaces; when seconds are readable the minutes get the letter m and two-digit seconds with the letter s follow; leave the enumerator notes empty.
5h02
